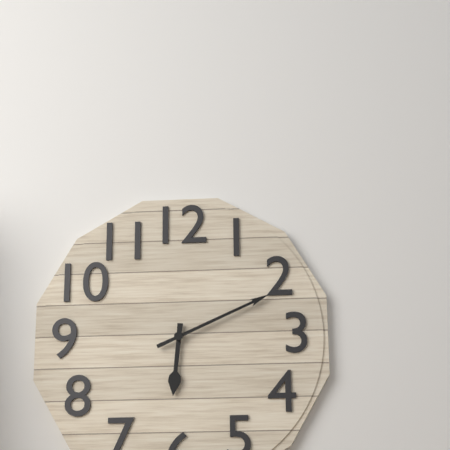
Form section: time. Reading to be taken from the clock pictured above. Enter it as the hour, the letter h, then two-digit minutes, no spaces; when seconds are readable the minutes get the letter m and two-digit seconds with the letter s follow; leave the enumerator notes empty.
6h11
